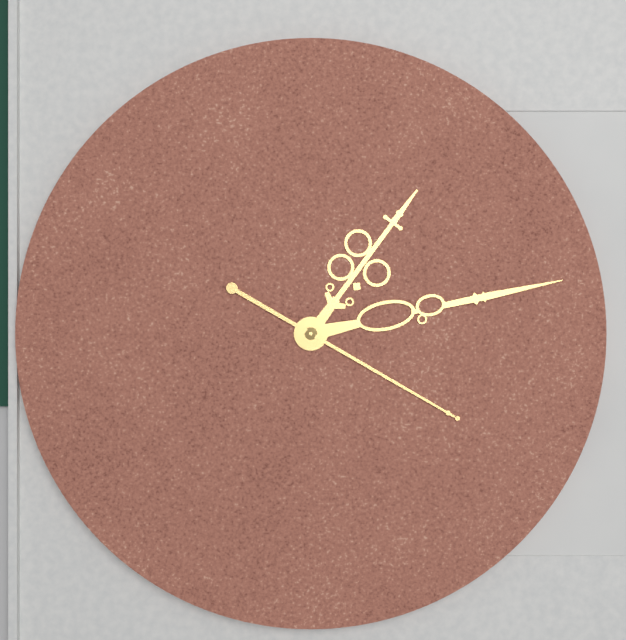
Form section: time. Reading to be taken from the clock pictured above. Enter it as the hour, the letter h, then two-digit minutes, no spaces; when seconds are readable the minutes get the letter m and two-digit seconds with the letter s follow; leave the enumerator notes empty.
1h13m20s
